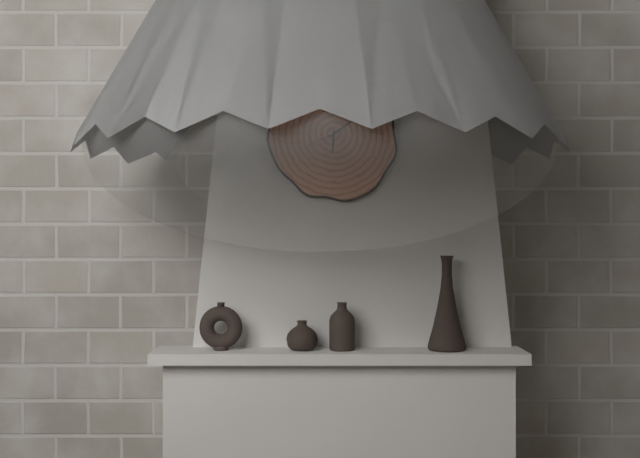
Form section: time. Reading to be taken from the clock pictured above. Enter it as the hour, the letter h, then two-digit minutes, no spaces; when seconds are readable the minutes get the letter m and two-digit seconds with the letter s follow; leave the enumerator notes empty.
6h09
